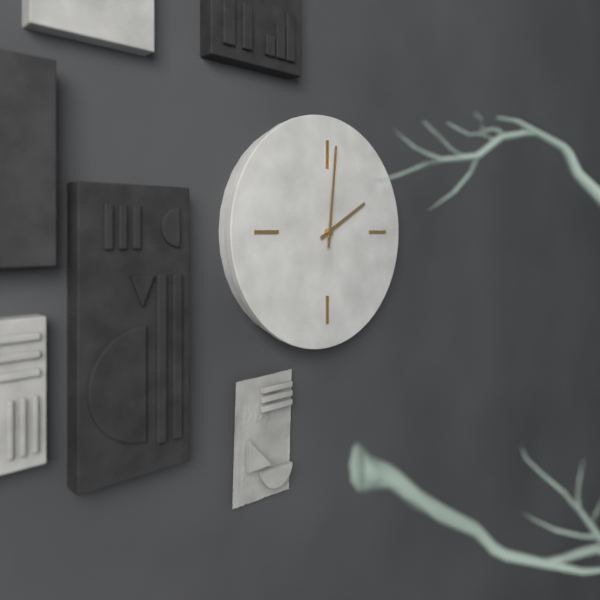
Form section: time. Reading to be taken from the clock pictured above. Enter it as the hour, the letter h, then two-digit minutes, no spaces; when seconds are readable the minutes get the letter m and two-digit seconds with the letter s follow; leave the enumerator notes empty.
2h01
